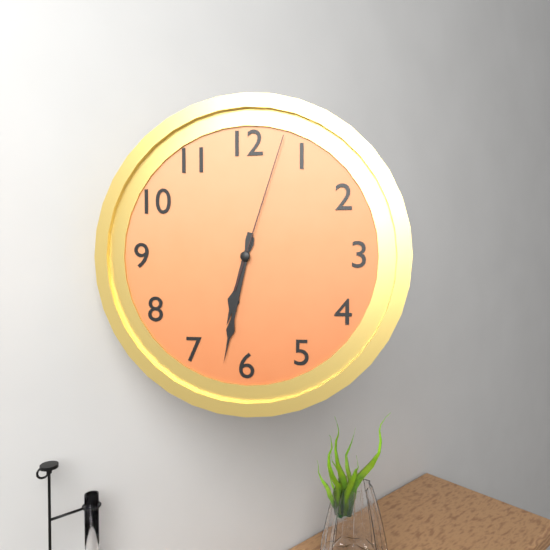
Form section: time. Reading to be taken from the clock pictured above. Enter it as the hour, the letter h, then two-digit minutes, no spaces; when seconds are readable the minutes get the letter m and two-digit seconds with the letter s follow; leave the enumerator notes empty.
6h32m03s
